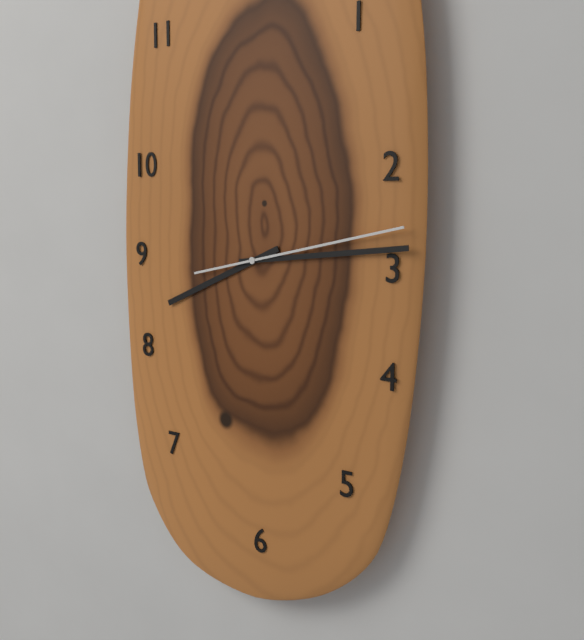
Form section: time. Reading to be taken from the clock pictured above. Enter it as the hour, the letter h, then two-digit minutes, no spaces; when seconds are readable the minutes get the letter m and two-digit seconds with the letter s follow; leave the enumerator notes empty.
8h14m13s
